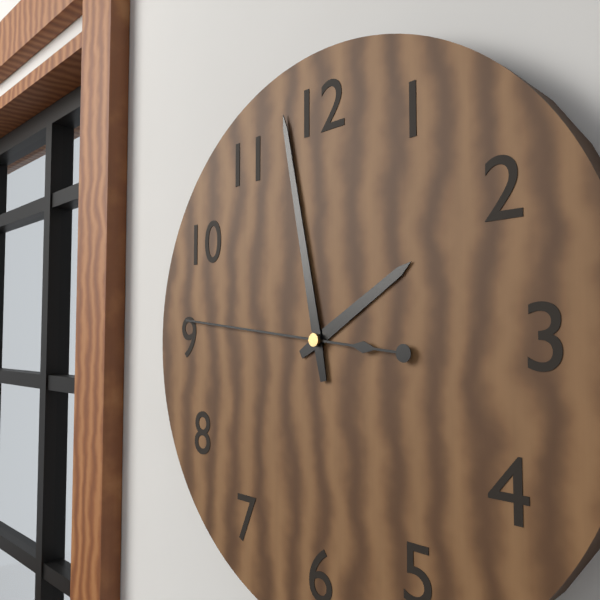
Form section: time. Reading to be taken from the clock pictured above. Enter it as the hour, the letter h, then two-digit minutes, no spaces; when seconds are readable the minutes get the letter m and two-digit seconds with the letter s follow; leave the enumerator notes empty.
1h58m46s
